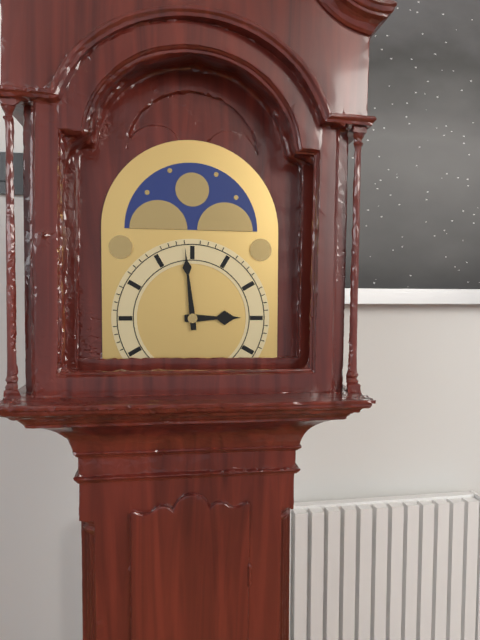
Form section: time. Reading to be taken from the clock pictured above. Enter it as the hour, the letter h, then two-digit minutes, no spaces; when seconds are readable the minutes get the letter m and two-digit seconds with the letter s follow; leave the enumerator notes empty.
2h59
